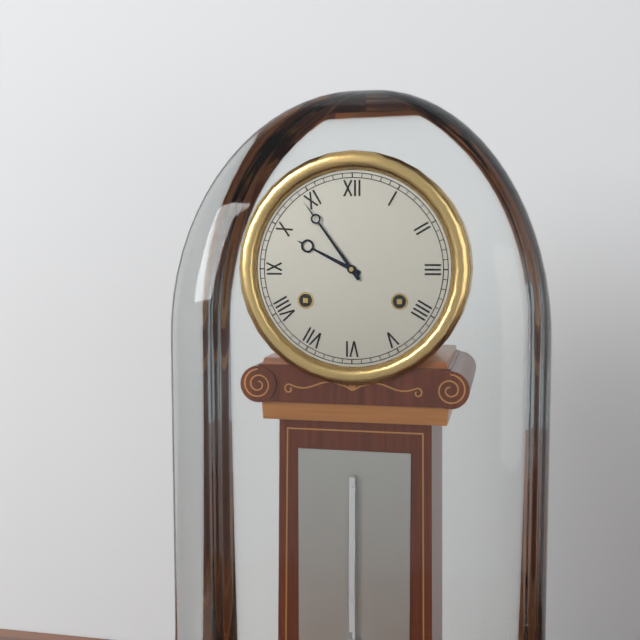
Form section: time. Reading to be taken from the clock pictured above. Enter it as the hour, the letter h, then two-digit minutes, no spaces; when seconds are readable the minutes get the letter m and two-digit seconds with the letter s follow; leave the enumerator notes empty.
9h54
